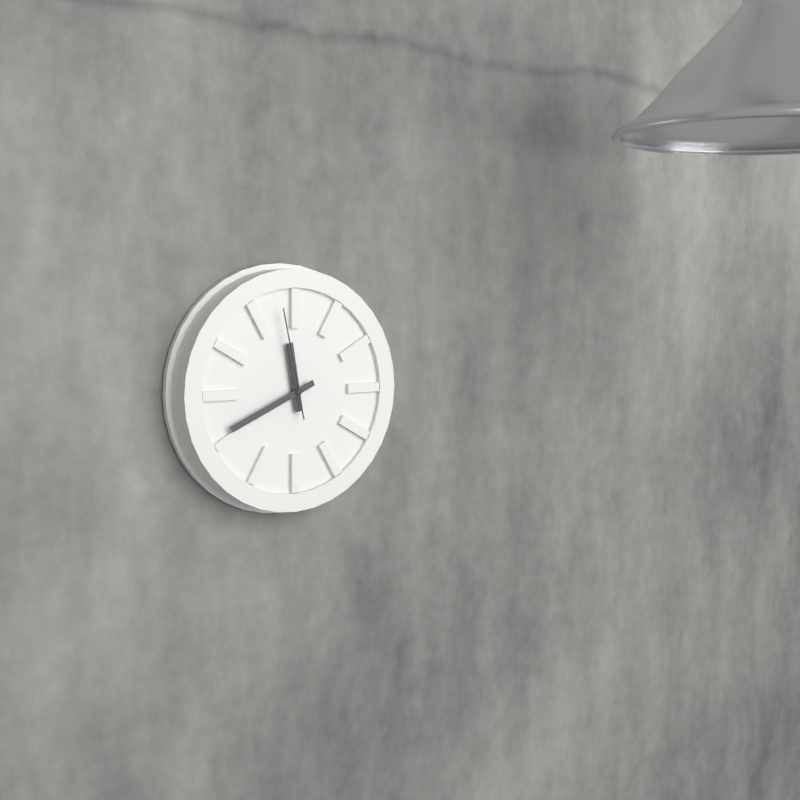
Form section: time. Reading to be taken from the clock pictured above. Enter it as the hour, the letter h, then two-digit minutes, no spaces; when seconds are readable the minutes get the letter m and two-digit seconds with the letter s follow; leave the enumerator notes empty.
11h41m58s
